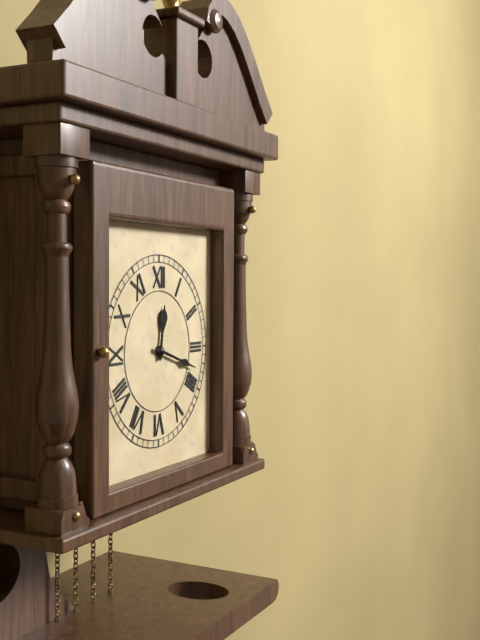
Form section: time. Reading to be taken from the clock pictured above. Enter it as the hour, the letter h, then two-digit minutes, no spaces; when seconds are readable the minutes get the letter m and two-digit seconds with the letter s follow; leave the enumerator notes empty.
12h18
